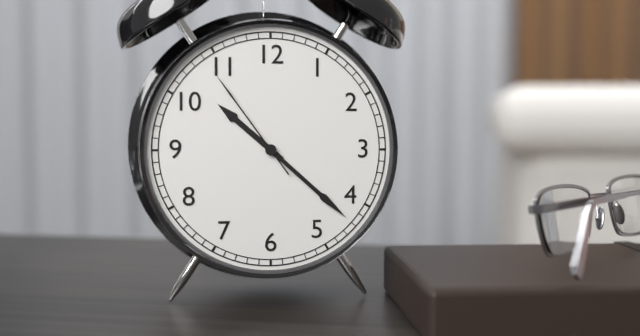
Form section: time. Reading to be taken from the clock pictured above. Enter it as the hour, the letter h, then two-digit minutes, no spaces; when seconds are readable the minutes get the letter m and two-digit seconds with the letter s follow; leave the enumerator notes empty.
10h22m54s
